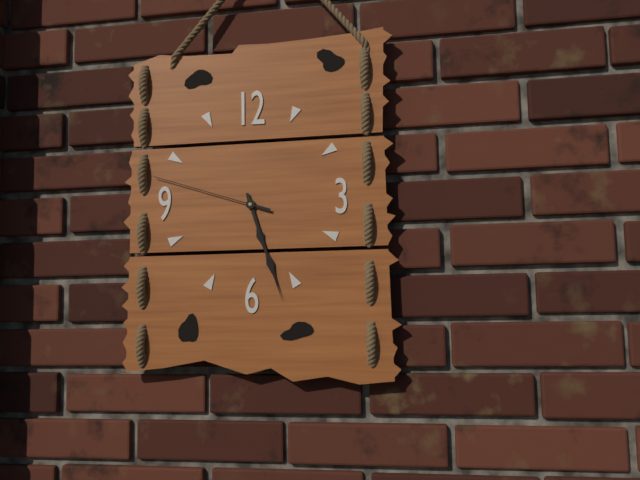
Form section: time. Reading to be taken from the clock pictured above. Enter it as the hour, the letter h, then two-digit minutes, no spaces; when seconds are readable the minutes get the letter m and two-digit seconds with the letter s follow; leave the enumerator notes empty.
5h27m48s
